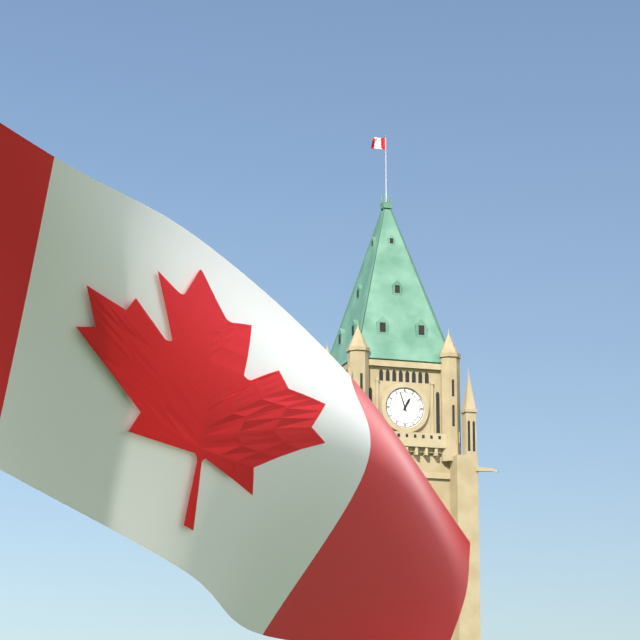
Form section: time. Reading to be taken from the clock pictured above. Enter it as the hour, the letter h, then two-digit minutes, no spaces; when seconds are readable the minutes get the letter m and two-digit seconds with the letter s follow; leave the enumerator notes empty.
12h57
